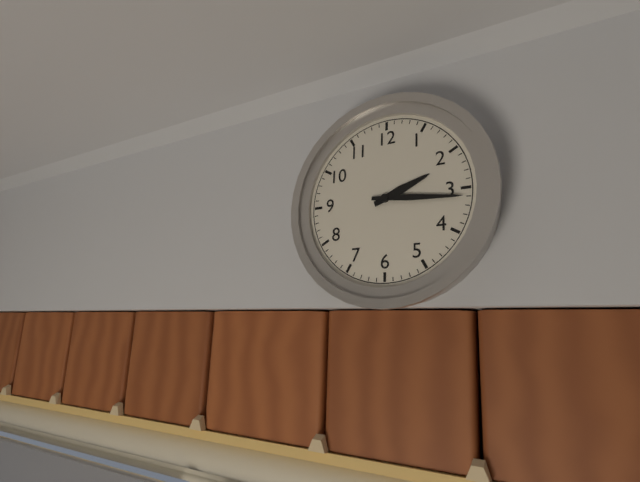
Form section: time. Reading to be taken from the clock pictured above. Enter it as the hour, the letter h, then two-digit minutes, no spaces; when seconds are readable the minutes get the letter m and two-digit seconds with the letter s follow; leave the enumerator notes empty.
2h16
